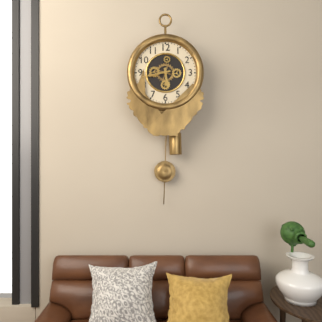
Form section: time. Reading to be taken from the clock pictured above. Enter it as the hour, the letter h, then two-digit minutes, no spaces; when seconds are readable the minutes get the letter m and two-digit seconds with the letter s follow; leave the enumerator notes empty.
5h43
